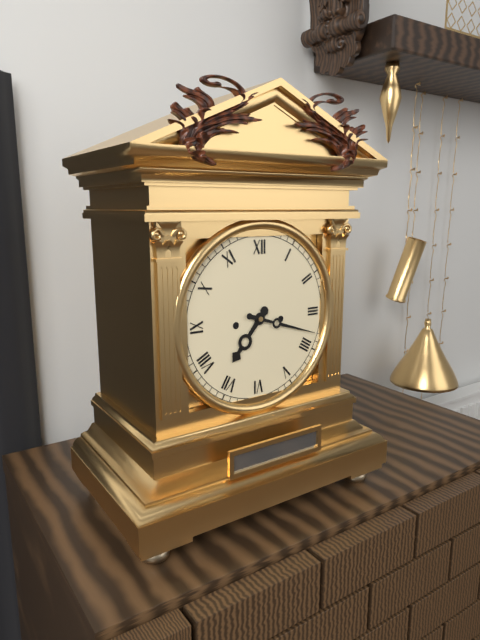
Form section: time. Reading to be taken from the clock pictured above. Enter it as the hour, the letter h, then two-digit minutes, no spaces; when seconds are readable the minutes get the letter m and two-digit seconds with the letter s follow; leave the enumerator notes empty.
7h18
